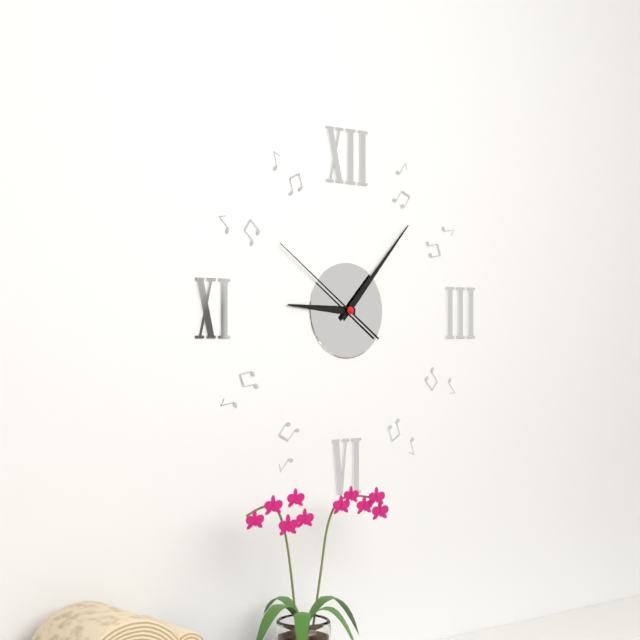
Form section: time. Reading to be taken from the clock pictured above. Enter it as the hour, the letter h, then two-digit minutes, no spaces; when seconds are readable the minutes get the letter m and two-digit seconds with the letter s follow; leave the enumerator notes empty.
9h07m51s
